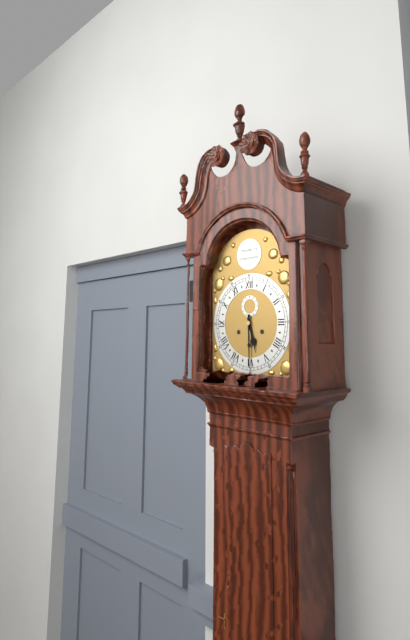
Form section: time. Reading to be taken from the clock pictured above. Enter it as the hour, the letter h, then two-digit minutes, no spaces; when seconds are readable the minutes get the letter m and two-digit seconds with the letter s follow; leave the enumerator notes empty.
5h30
